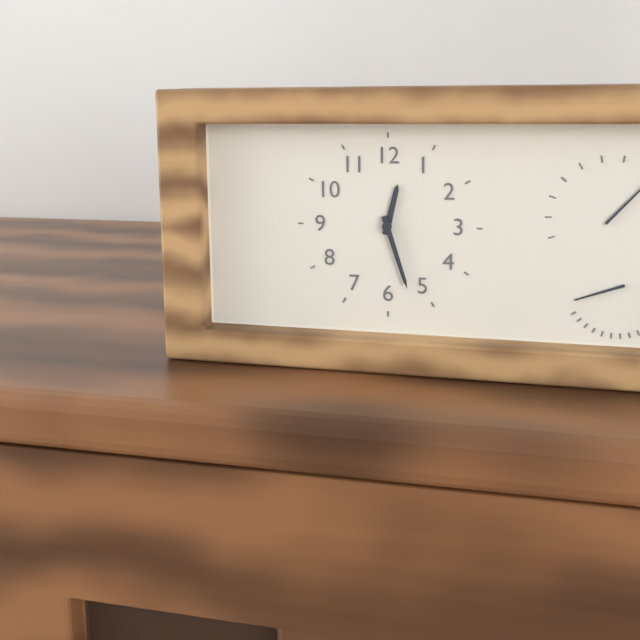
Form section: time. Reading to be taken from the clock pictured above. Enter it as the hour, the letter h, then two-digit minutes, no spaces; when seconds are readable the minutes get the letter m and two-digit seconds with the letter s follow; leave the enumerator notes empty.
12h27
